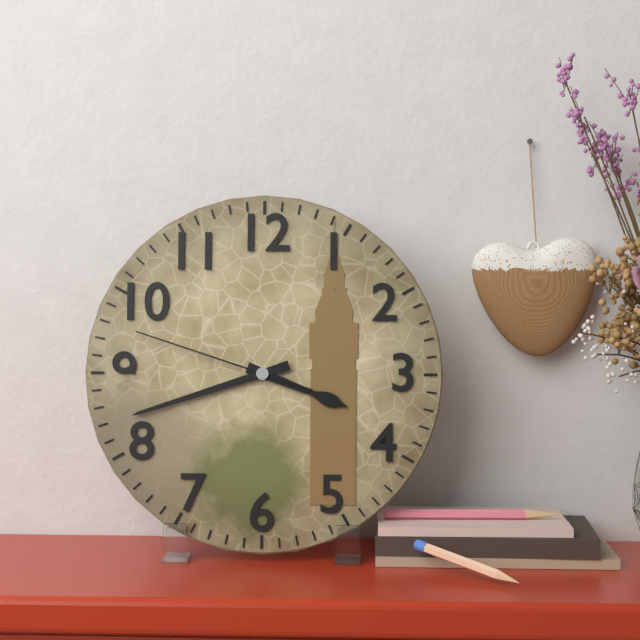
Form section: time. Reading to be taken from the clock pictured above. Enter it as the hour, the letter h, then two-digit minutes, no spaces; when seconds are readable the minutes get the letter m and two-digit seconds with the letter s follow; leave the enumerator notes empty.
3h42m48s
